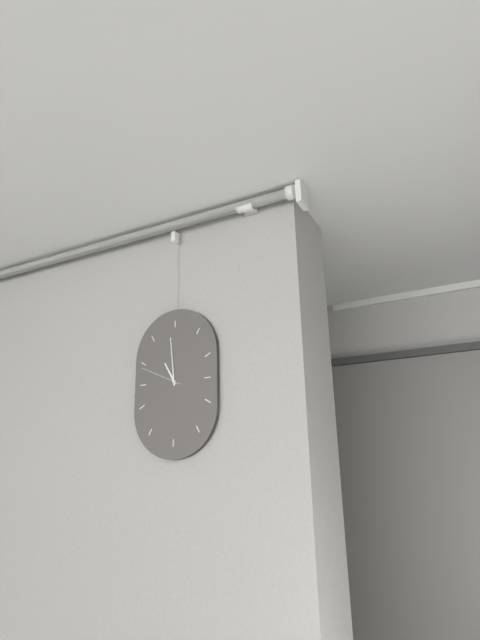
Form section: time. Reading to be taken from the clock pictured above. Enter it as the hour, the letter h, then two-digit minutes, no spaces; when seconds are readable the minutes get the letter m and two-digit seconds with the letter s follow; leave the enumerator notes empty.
10h59
